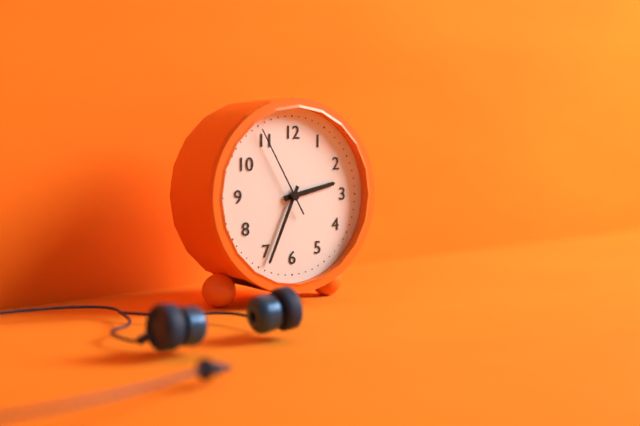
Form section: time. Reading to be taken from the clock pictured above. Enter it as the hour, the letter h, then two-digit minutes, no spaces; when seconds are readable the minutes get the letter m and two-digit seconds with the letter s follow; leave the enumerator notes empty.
2h34m55s
